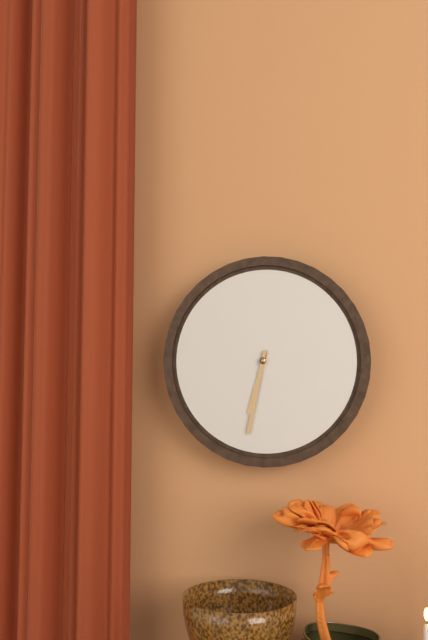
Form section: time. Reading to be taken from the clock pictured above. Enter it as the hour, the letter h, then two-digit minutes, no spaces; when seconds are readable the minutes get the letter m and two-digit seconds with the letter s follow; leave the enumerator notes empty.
6h32
